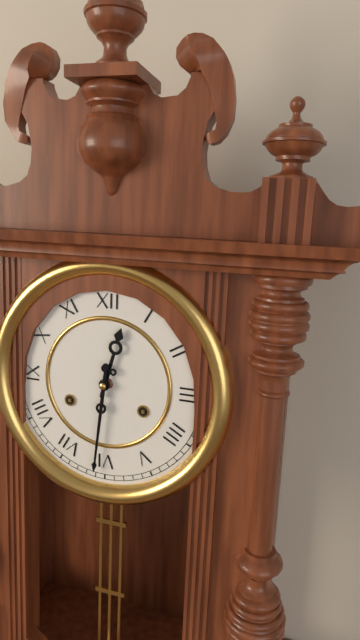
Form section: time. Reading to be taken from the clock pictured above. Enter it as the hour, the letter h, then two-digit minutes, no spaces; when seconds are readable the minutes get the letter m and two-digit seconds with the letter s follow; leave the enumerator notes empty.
12h31
